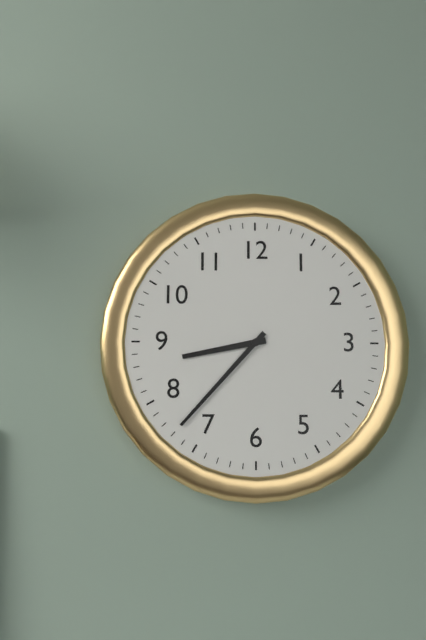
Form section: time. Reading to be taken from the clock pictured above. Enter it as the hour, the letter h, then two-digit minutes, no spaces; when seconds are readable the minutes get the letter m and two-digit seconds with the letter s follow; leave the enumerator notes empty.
8h37
